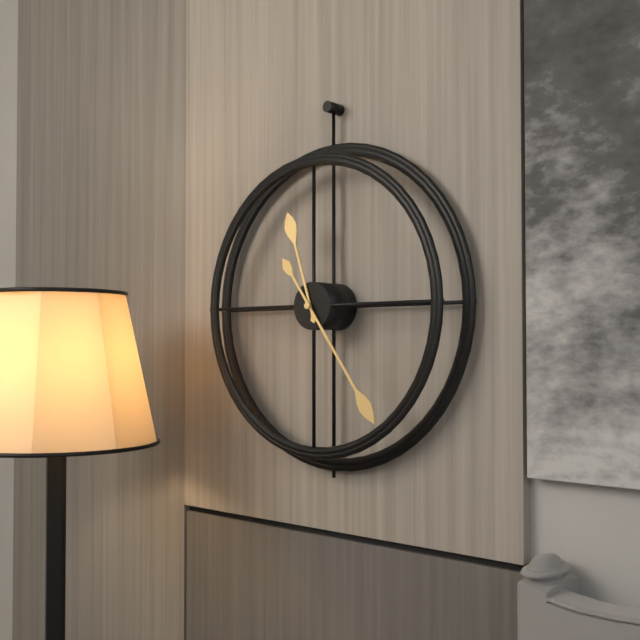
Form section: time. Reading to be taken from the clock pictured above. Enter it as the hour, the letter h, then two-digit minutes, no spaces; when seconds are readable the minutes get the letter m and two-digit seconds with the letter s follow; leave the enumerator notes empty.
11h24
